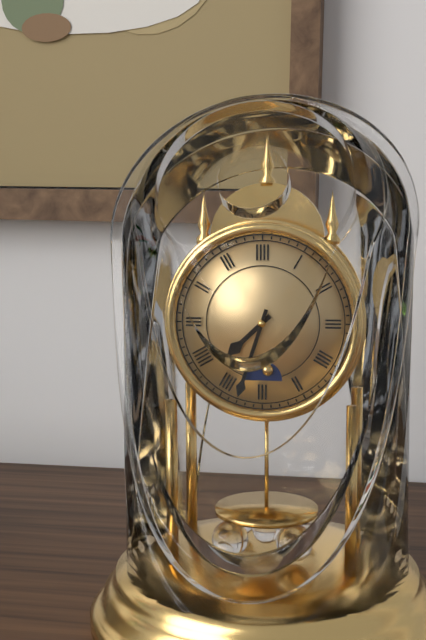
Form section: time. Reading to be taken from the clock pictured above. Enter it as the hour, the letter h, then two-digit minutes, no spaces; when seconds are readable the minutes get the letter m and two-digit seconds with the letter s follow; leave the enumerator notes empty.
7h33
